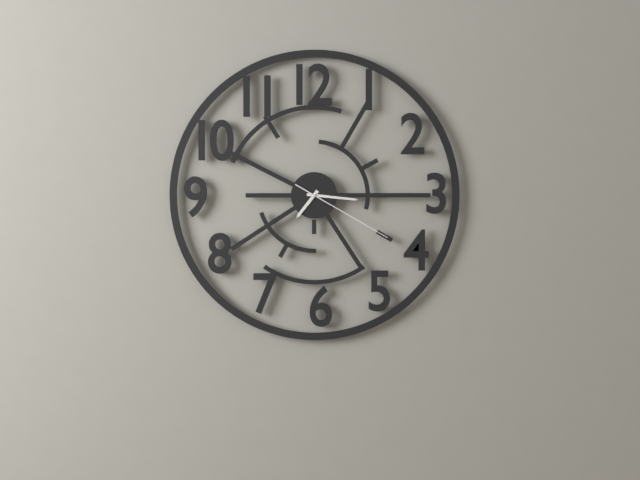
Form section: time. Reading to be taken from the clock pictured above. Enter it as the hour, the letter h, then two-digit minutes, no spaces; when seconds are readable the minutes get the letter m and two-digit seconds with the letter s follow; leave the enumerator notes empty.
7h16m20s
